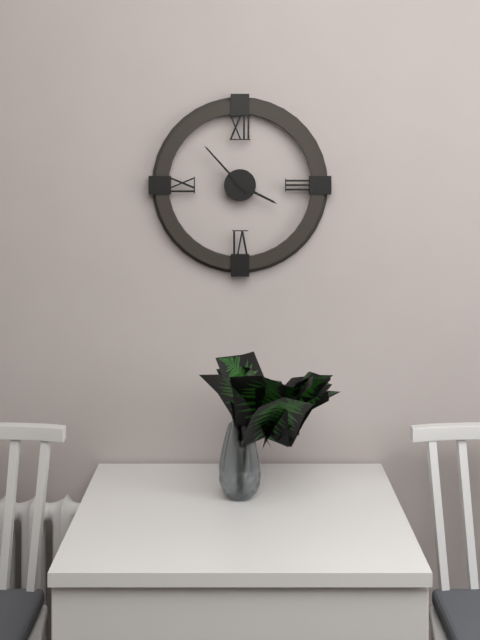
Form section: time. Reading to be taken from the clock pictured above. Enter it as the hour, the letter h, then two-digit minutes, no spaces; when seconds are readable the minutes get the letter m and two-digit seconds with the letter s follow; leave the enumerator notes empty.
3h53
